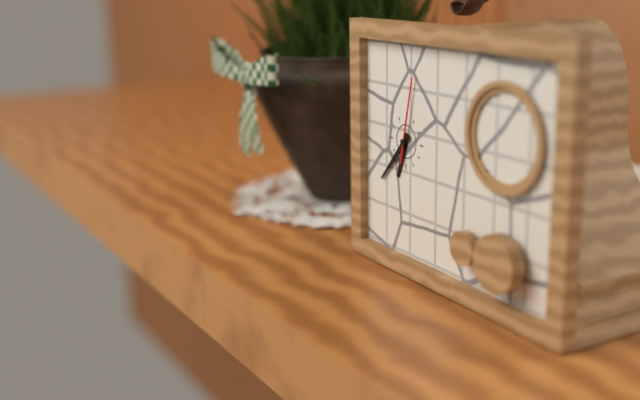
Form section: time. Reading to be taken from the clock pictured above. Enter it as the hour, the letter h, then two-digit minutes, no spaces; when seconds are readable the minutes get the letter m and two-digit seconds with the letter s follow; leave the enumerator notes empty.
6h37m02s
